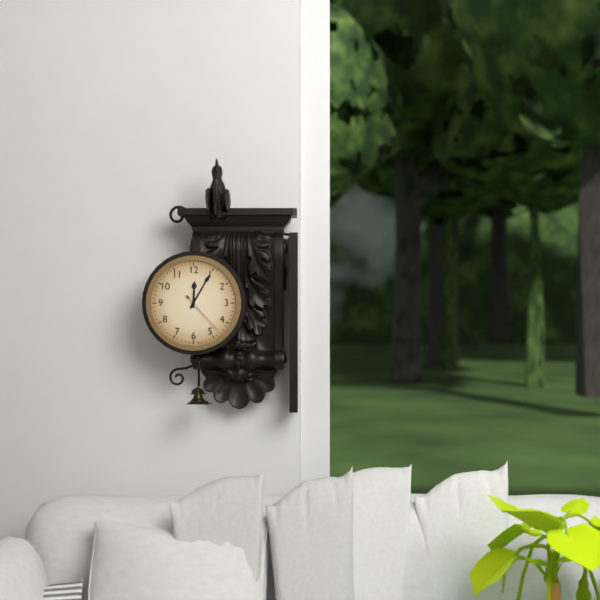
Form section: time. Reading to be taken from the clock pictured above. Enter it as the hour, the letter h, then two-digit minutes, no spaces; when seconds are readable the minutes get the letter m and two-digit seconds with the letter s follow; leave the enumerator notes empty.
12h05
